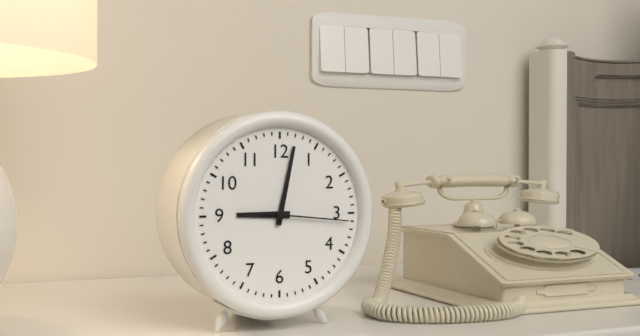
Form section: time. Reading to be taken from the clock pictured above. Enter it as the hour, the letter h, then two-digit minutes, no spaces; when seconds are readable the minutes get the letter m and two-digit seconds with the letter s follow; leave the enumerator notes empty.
9h02m16s
